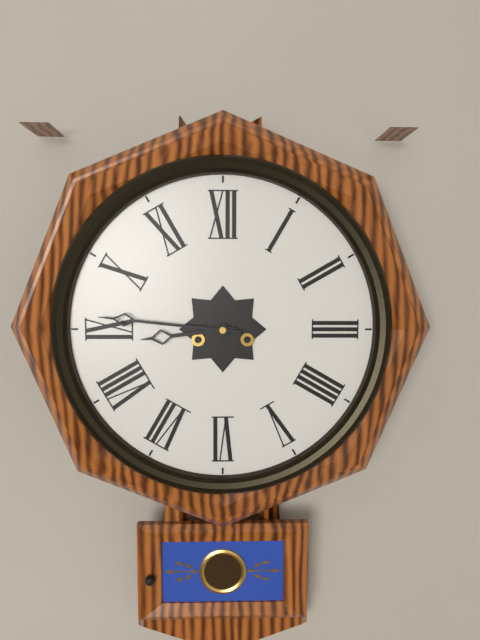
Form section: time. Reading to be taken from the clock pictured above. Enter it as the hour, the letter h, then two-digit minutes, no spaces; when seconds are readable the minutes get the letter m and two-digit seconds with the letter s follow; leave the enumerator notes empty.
8h46
